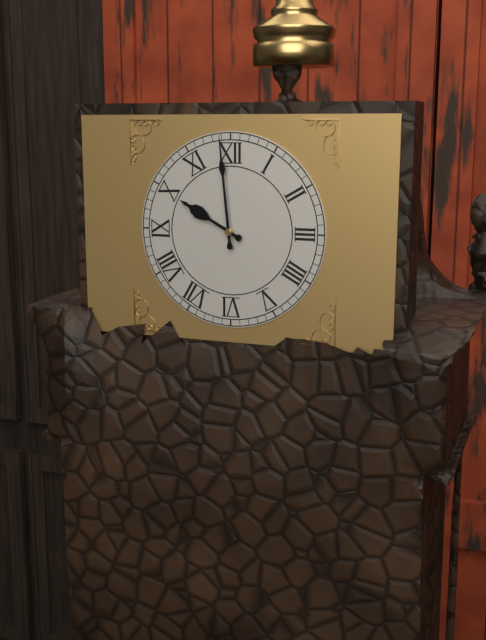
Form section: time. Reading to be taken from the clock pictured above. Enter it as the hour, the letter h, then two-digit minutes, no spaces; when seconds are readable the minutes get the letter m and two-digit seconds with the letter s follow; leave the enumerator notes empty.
9h59
